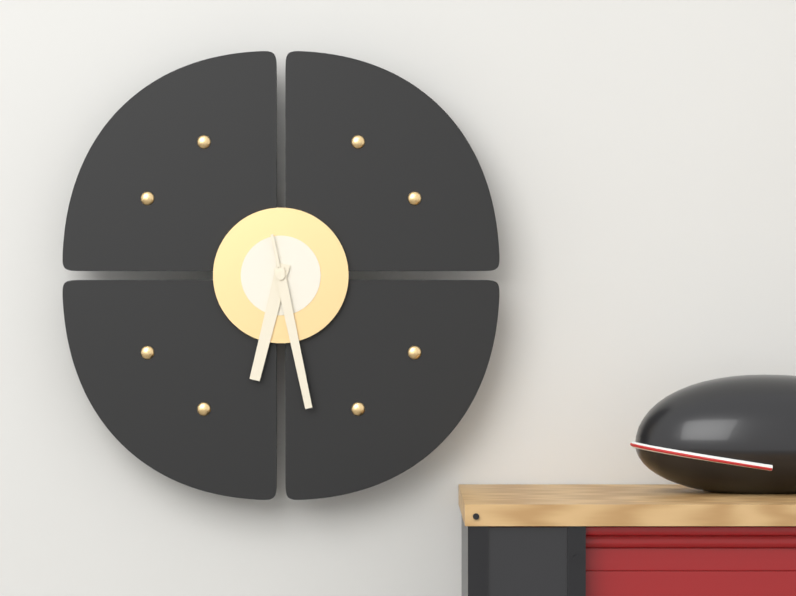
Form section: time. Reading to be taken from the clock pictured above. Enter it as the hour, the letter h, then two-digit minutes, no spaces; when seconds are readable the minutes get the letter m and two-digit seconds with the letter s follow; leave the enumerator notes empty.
6h28
